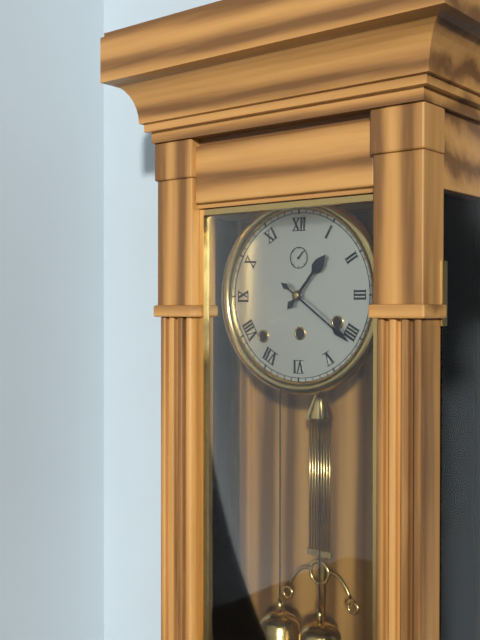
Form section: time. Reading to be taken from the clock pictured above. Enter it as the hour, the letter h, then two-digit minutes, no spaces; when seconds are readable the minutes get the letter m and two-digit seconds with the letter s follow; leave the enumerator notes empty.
1h21
